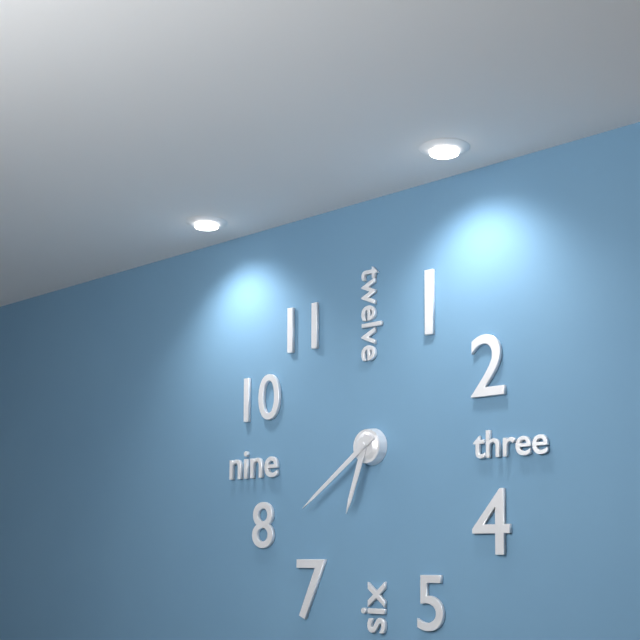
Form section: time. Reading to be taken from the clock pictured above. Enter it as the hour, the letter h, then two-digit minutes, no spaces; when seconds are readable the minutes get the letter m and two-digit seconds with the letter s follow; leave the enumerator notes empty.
6h39
